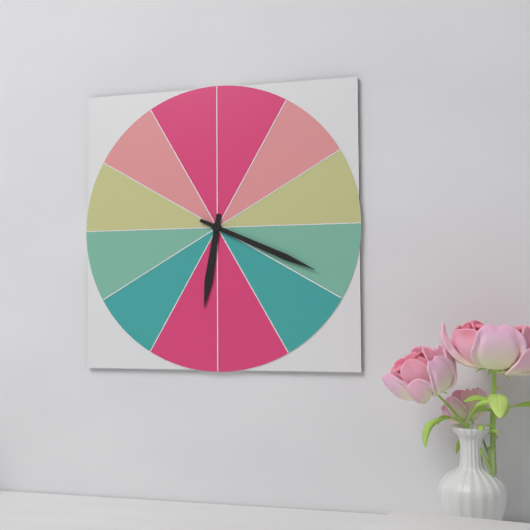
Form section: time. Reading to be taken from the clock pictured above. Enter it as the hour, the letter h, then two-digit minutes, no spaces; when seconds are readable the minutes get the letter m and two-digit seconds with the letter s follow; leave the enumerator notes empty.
6h19
